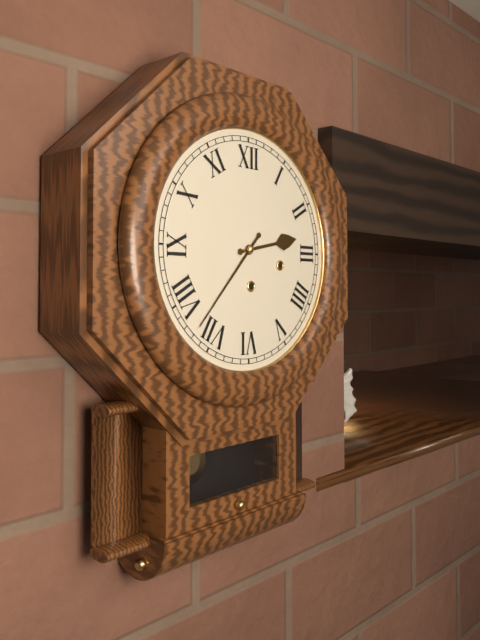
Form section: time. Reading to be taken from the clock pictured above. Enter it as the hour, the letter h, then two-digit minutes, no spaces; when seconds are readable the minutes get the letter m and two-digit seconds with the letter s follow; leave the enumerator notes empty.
2h37
